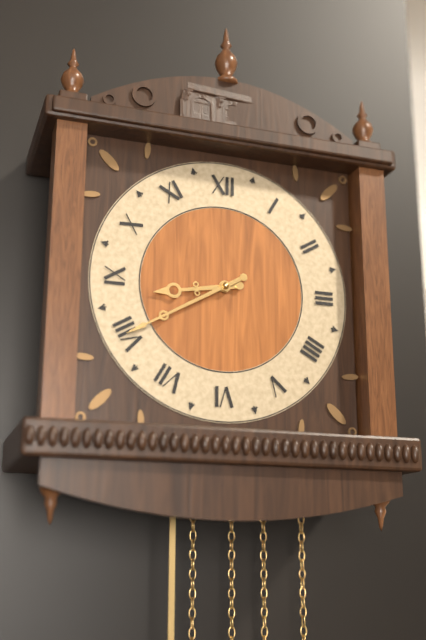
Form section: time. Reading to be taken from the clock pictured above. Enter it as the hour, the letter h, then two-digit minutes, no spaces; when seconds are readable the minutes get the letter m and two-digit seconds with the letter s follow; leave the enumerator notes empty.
8h40
